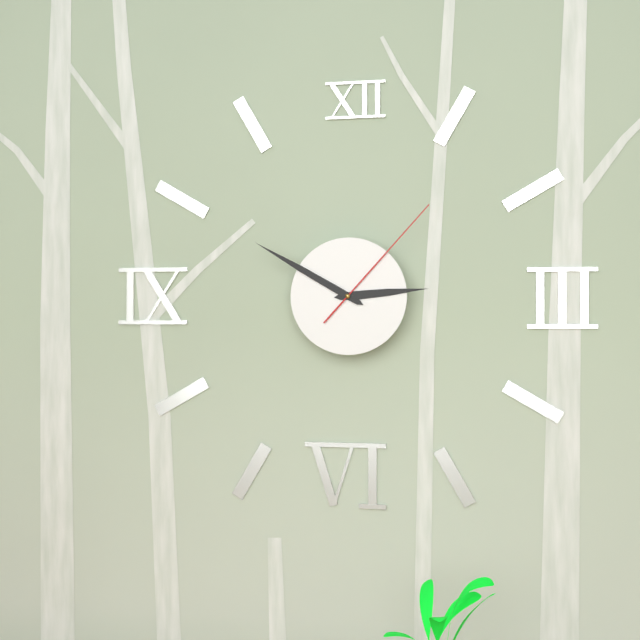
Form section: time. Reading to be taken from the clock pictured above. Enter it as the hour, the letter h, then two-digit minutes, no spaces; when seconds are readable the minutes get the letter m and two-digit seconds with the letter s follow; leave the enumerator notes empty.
2h50m07s
